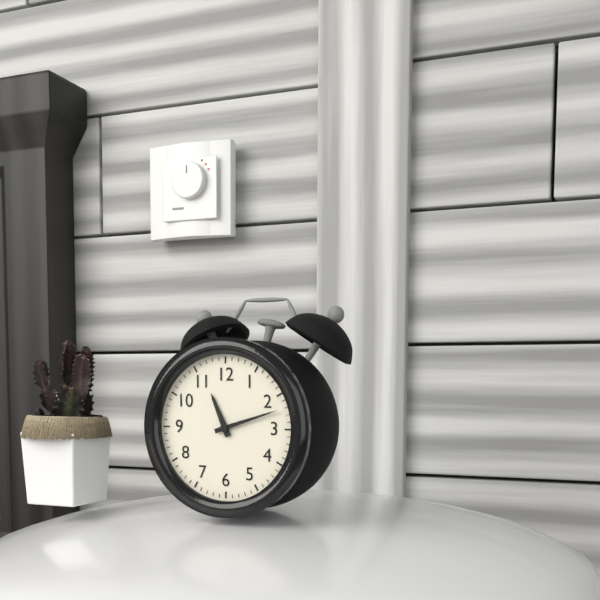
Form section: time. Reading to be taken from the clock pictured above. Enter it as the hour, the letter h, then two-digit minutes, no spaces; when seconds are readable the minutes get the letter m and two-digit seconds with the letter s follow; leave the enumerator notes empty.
11h12
